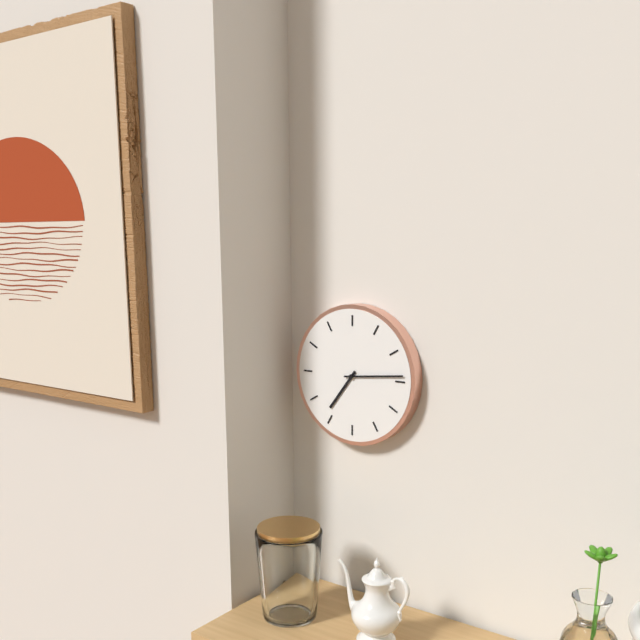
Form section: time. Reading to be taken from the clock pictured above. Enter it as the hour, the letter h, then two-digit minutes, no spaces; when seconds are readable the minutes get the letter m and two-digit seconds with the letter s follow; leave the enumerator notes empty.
7h14
